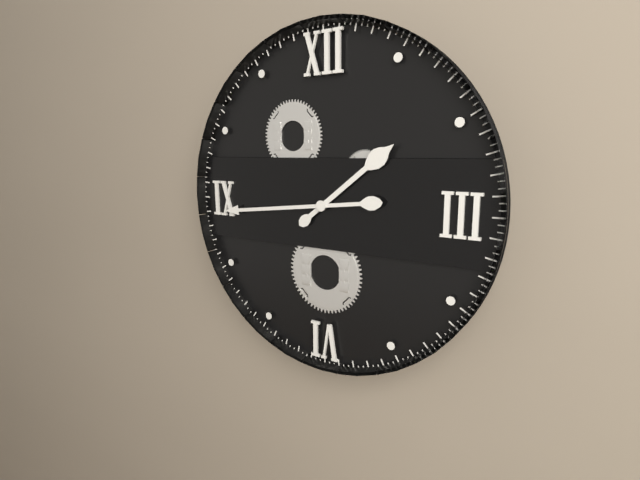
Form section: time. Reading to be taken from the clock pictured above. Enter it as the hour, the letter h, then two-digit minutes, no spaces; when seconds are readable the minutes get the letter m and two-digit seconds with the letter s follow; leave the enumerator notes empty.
1h44
